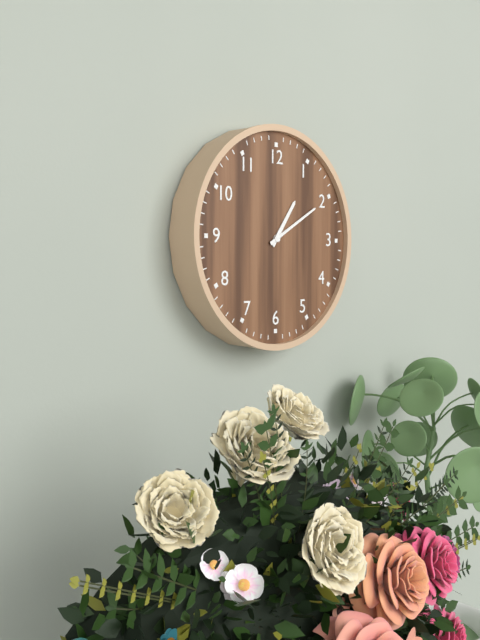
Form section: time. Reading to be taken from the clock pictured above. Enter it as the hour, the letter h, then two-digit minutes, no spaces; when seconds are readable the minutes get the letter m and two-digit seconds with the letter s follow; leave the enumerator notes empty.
1h10
